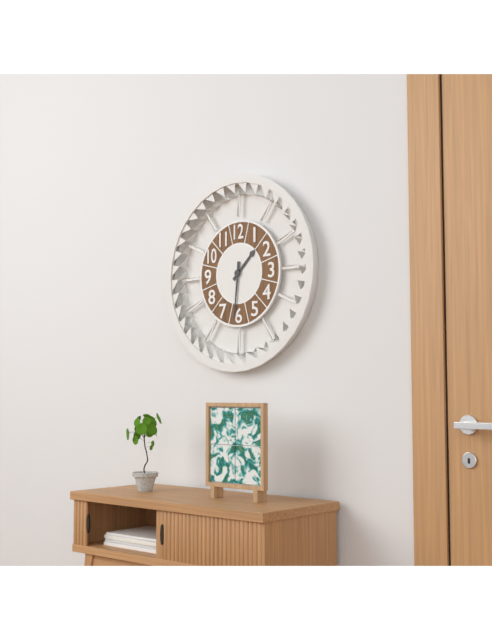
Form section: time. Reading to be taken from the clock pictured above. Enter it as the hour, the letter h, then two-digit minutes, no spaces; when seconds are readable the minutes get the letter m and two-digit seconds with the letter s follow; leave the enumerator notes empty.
1h31
